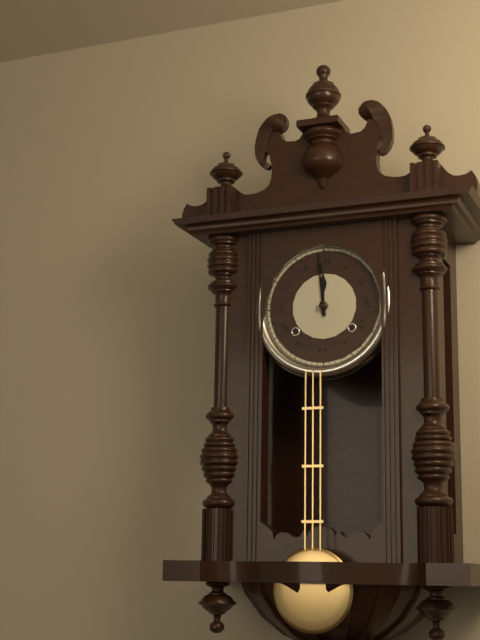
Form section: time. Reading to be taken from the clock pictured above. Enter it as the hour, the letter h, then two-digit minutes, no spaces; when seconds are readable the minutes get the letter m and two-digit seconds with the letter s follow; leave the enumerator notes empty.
11h59
